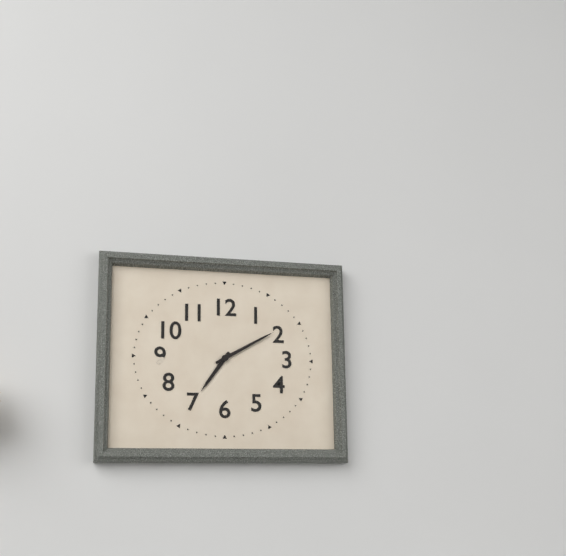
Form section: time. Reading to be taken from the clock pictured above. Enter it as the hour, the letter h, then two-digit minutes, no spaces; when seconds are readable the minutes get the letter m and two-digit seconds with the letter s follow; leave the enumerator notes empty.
7h10
